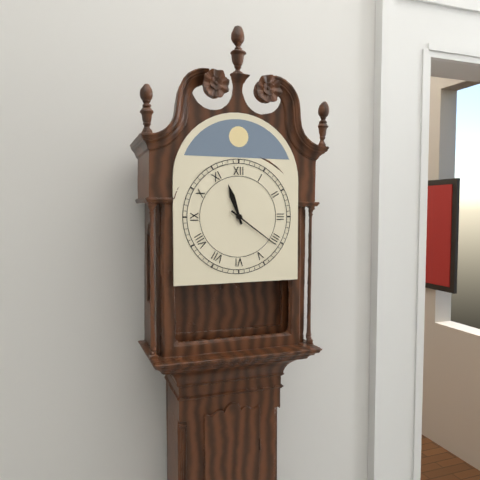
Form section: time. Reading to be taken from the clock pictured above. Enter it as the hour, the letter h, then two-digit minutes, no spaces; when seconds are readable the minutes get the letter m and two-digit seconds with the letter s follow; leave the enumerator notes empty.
11h21
